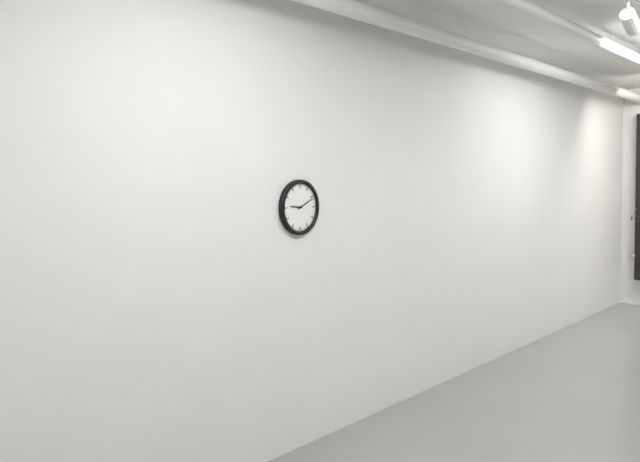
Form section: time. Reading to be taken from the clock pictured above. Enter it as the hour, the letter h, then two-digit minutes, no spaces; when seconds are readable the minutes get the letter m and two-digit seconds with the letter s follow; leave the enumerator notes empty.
9h11
